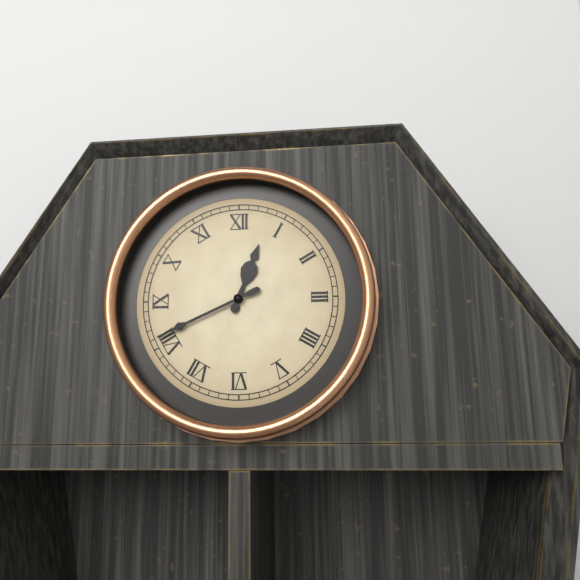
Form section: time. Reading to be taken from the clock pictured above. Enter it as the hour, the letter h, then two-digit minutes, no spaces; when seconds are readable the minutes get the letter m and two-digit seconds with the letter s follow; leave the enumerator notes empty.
12h41
